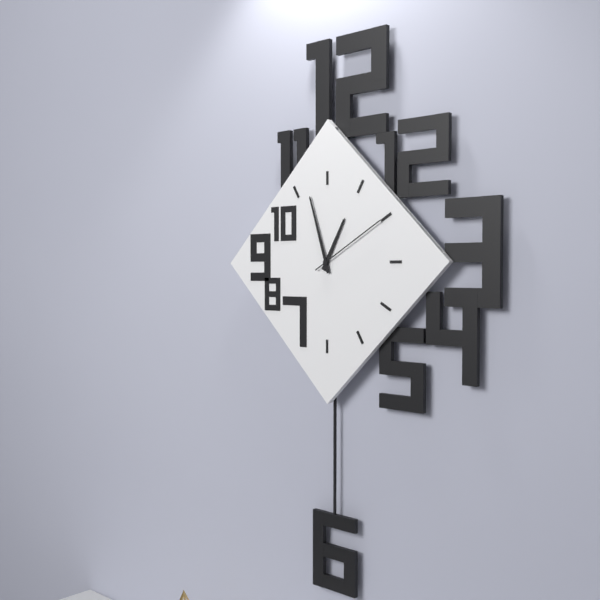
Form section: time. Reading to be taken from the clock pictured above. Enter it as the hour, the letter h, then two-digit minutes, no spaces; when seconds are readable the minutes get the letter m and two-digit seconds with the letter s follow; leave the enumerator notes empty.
12h57m10s
